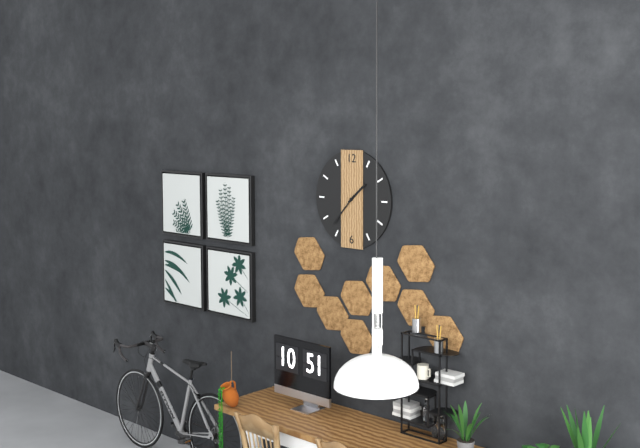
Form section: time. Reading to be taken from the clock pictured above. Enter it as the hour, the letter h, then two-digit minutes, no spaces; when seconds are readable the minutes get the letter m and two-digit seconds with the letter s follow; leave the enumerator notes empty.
1h37
